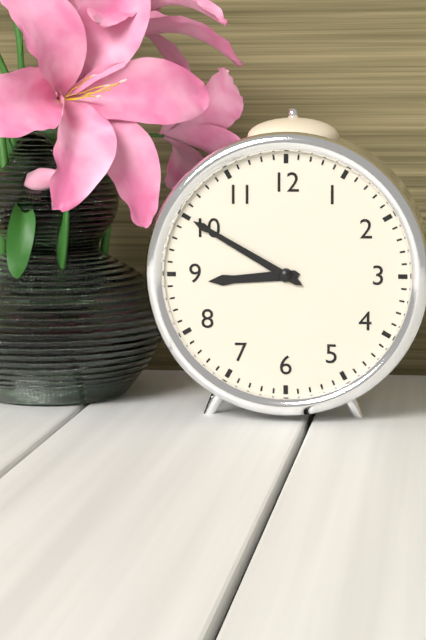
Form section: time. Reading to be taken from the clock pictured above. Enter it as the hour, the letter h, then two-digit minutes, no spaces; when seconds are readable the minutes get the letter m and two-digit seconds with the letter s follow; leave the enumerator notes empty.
8h50
